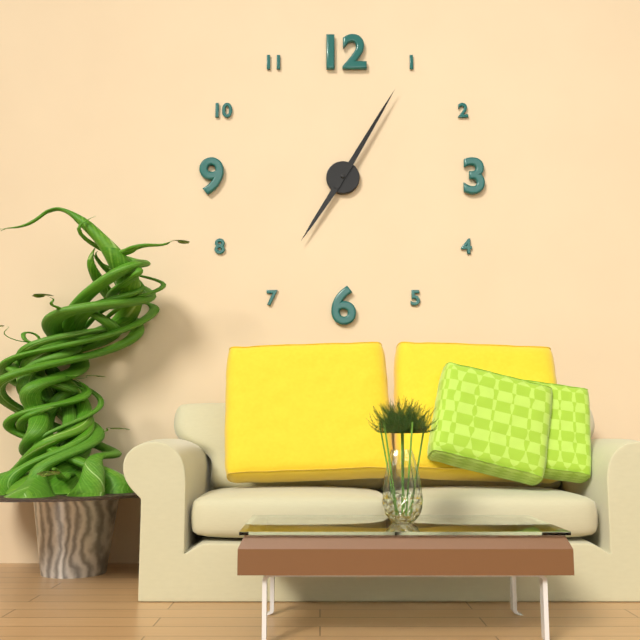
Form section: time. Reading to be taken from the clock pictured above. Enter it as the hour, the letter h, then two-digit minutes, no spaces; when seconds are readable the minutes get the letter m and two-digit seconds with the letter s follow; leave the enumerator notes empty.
7h05
